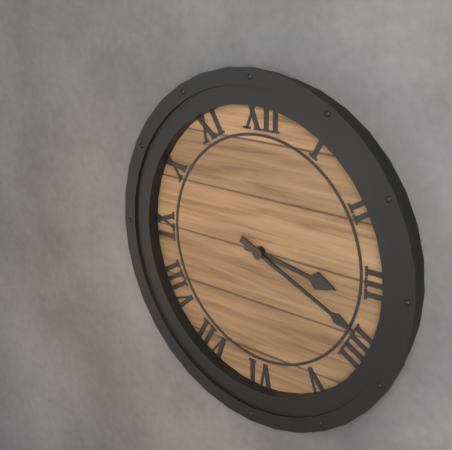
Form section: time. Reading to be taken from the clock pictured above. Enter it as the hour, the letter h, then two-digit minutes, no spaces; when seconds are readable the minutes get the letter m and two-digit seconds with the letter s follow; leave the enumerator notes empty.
3h19
